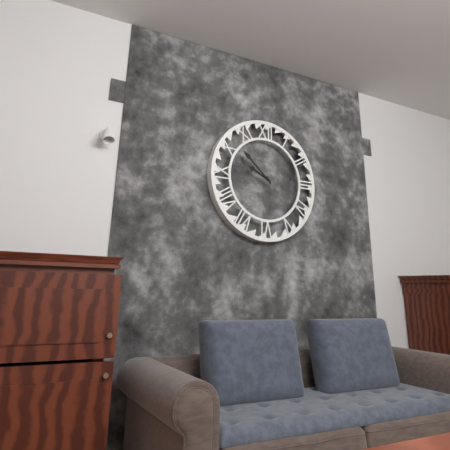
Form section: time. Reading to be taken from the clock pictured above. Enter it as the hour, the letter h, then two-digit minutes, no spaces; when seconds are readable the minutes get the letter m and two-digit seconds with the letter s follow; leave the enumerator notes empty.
9h52
